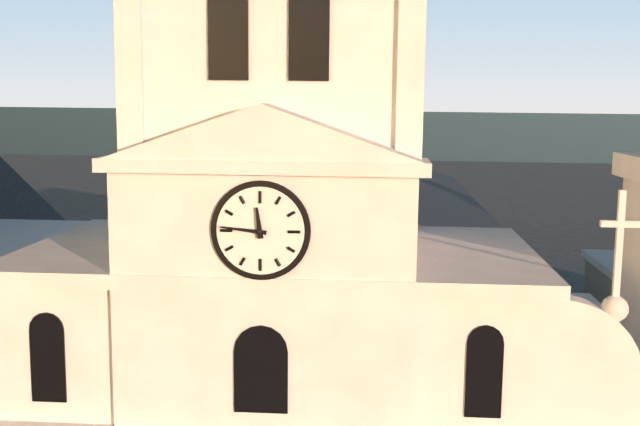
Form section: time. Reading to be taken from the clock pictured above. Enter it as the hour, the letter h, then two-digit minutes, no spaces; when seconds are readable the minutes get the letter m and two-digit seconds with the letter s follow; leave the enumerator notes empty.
11h46
